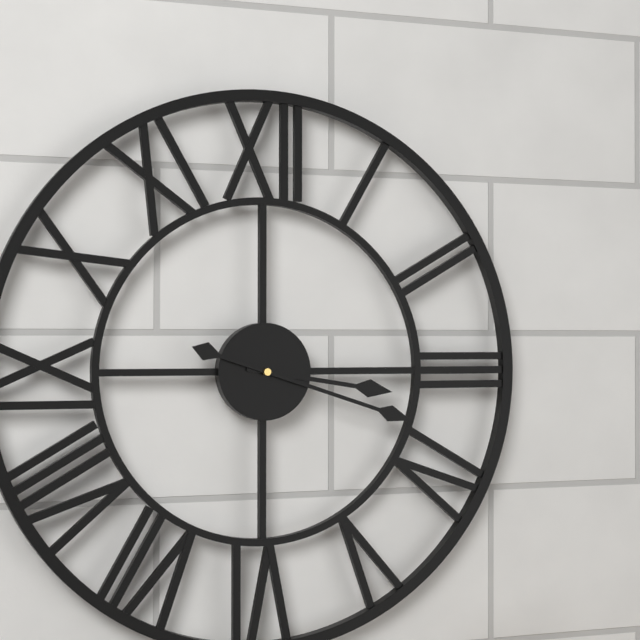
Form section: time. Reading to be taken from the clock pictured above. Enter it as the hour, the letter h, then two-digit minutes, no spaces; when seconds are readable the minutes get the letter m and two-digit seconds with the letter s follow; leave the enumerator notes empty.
3h18
